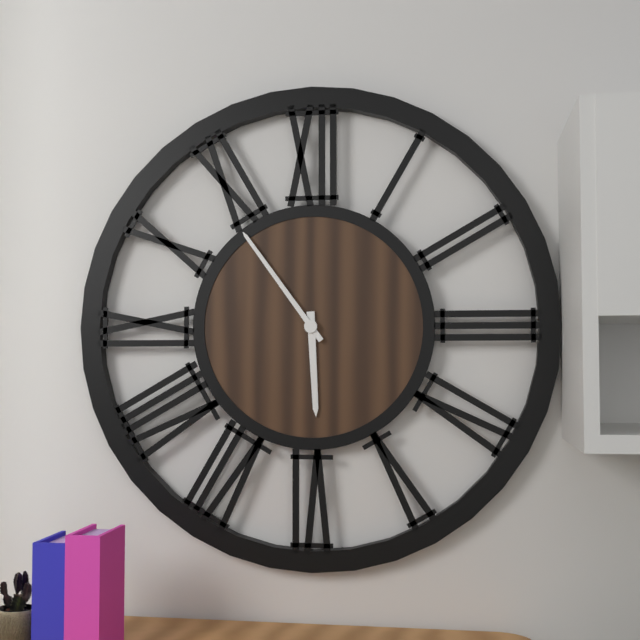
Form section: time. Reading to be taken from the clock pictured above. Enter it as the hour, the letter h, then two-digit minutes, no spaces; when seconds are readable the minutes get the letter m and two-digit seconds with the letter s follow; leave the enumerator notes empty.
5h54
